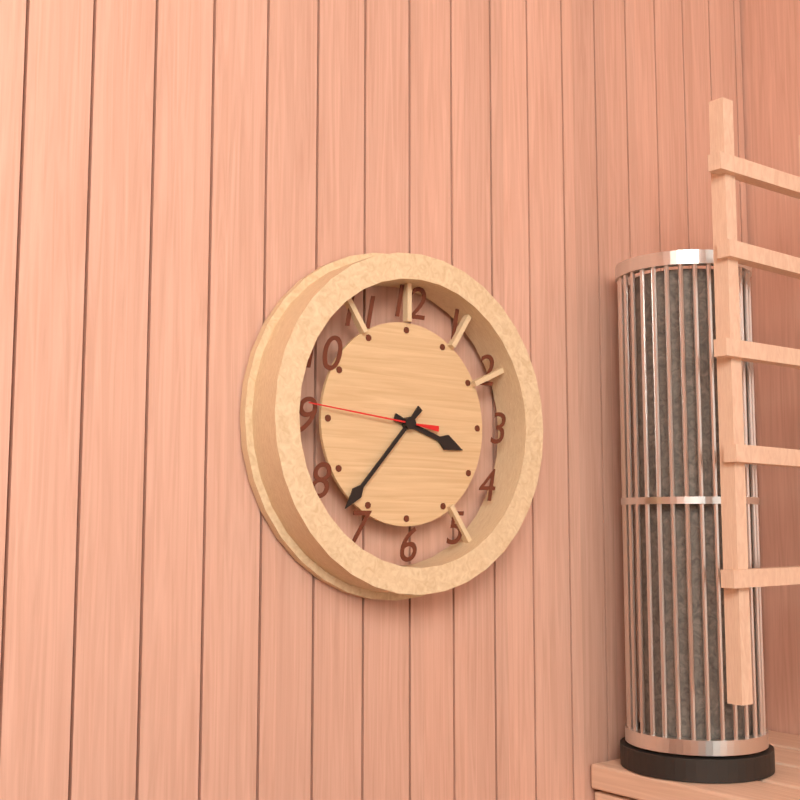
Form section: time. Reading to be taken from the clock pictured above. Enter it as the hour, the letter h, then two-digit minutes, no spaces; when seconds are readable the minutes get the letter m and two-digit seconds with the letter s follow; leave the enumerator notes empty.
3h37m46s
